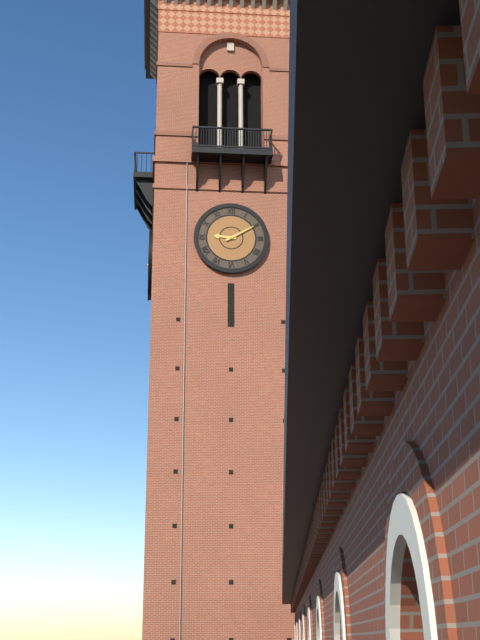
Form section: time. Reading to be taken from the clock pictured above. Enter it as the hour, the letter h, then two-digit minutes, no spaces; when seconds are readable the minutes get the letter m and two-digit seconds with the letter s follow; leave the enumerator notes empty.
9h10
